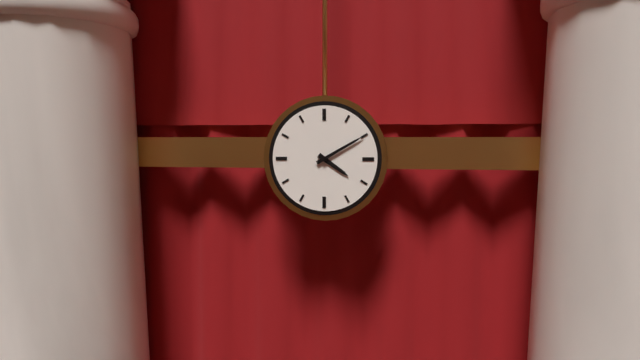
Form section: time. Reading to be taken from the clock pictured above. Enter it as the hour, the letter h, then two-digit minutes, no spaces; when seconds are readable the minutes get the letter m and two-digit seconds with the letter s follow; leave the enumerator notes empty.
4h10
